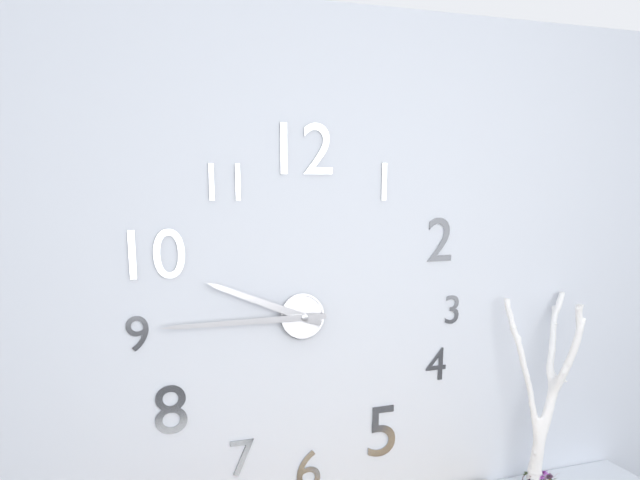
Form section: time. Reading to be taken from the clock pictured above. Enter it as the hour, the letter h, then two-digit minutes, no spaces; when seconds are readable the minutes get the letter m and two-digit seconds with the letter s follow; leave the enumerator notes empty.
9h45
